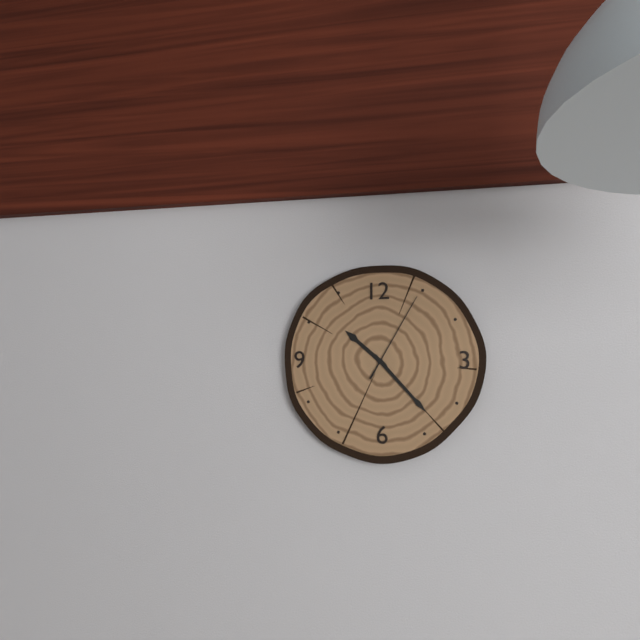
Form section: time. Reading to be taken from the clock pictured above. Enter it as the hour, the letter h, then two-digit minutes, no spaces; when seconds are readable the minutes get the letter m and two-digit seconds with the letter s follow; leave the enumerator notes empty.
10h23m05s
